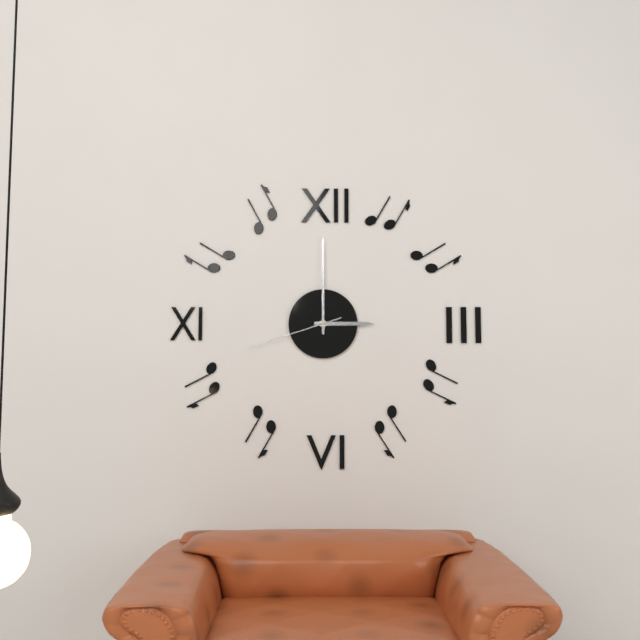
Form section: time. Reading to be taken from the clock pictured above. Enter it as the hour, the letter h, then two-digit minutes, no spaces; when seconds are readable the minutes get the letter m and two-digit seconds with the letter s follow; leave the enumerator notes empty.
3h00m42s
